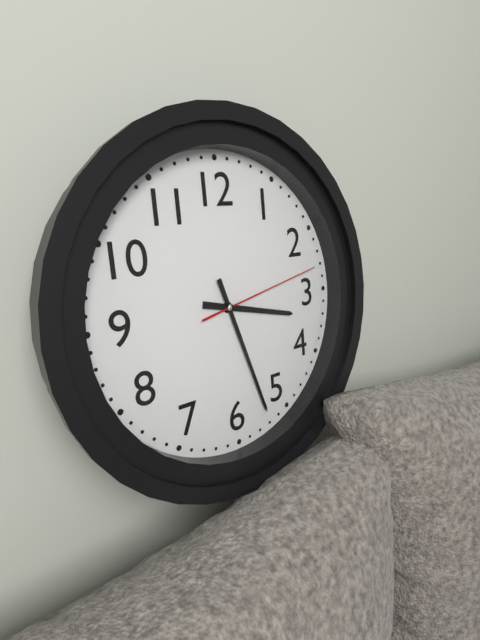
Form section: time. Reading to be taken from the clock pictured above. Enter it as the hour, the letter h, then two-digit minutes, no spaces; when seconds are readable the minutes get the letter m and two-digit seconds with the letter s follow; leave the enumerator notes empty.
3h27m13s
